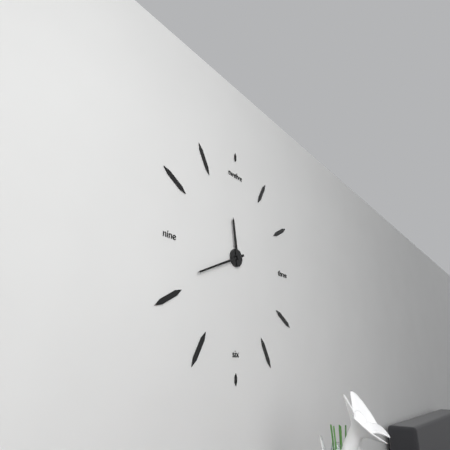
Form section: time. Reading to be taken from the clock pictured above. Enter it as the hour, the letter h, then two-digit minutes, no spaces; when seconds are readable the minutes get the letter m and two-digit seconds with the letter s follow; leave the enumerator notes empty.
11h41
